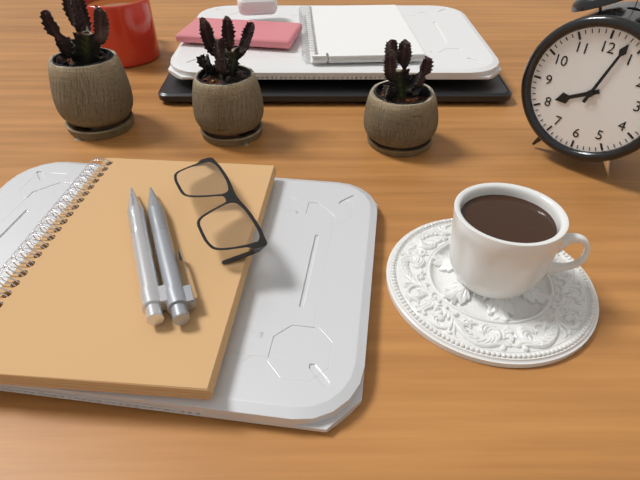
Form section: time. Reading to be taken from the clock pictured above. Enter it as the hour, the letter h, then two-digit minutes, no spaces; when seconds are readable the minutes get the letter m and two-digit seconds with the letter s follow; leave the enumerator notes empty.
8h03
